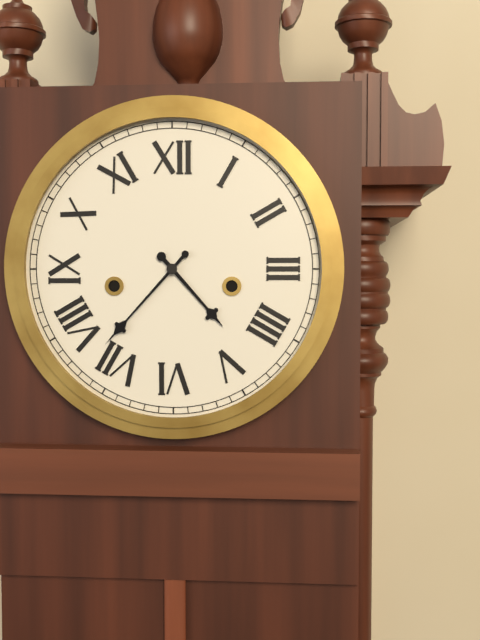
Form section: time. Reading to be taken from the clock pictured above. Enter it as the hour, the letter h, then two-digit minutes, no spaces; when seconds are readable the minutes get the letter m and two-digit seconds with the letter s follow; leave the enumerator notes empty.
4h37
